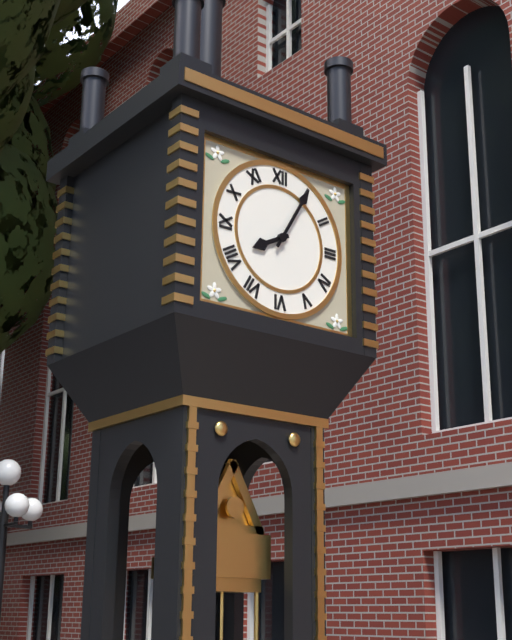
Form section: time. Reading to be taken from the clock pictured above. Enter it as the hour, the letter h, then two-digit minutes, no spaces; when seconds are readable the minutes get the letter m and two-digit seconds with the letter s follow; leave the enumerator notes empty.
8h05
